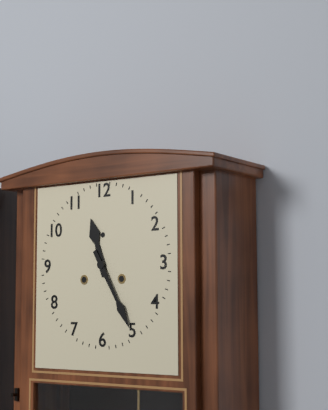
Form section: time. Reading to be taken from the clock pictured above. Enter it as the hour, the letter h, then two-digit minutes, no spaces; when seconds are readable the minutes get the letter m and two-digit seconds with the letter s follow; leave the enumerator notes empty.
11h25
